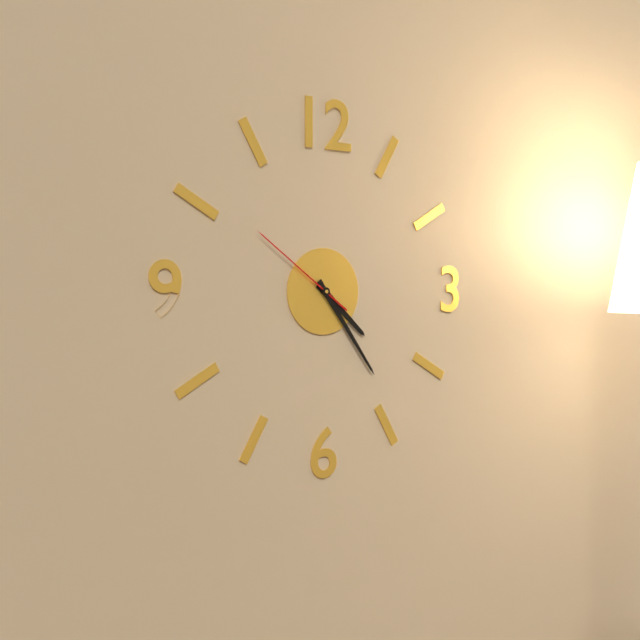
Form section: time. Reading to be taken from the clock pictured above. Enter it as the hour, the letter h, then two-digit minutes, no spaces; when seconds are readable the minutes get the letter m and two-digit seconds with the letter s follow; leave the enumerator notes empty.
4h24m51s
